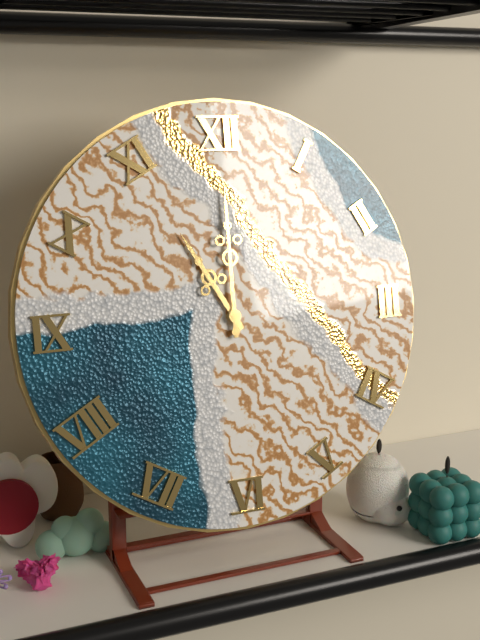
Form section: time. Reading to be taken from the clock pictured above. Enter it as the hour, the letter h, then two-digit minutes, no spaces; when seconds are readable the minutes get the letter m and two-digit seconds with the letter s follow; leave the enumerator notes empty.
11h00
